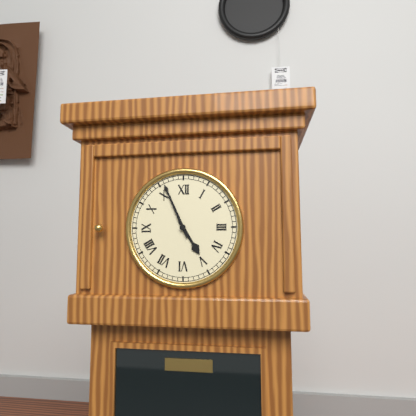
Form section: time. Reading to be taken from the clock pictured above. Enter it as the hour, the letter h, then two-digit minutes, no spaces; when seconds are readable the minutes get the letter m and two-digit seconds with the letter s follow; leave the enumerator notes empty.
4h56
